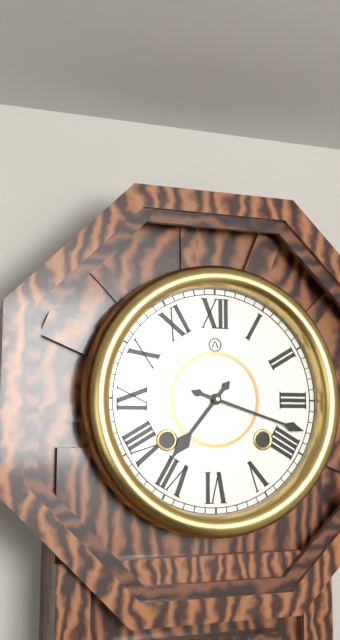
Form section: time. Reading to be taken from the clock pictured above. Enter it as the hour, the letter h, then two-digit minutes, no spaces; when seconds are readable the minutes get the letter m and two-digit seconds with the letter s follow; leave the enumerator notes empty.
7h18
